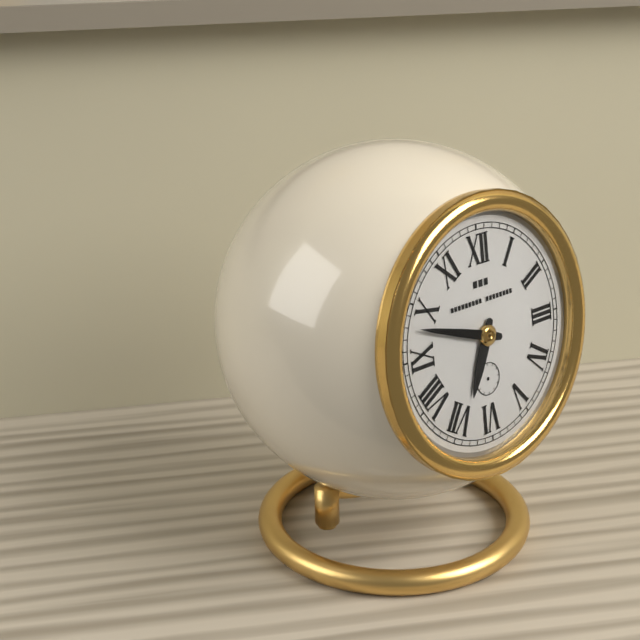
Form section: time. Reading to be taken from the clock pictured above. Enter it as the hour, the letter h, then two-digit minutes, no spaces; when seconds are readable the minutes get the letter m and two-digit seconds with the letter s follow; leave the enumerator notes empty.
6h48
